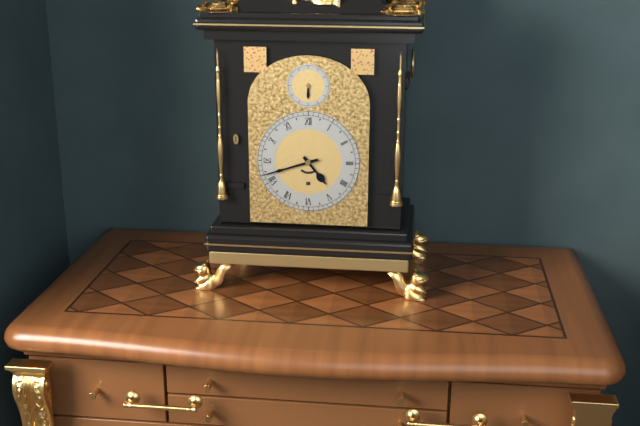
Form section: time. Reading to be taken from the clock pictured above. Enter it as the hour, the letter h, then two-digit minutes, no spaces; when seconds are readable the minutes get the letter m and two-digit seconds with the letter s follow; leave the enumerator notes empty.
4h42
